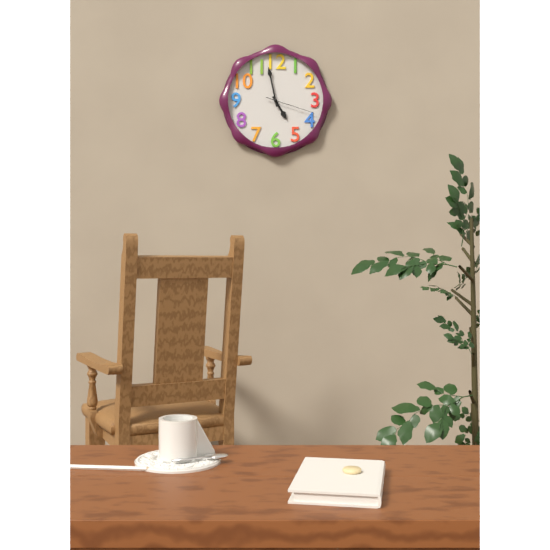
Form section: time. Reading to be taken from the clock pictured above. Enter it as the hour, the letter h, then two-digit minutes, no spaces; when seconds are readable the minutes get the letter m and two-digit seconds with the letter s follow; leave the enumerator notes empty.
4h58m18s
